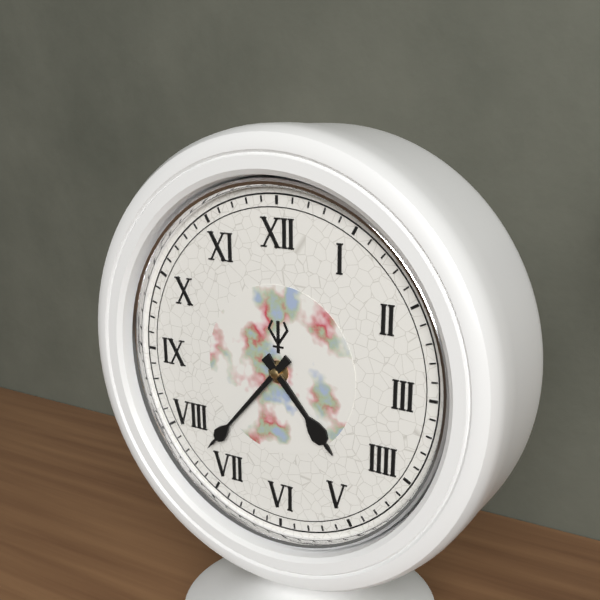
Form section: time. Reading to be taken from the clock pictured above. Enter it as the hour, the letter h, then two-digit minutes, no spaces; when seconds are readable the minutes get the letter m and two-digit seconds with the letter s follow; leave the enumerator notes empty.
4h37
